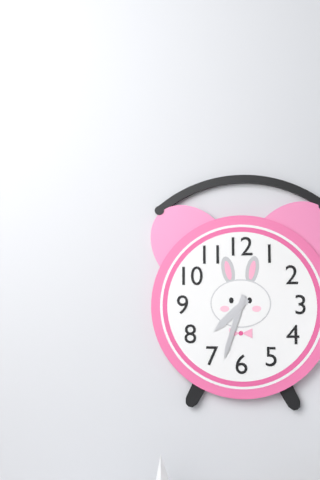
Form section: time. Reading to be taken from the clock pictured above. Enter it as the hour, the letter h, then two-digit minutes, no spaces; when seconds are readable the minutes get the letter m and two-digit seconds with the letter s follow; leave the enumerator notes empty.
7h33
